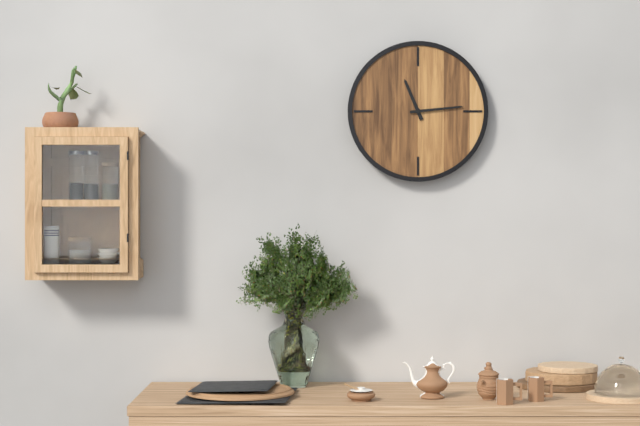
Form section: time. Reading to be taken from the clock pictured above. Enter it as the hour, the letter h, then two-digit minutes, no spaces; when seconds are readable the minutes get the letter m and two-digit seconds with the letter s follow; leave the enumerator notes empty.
11h14
